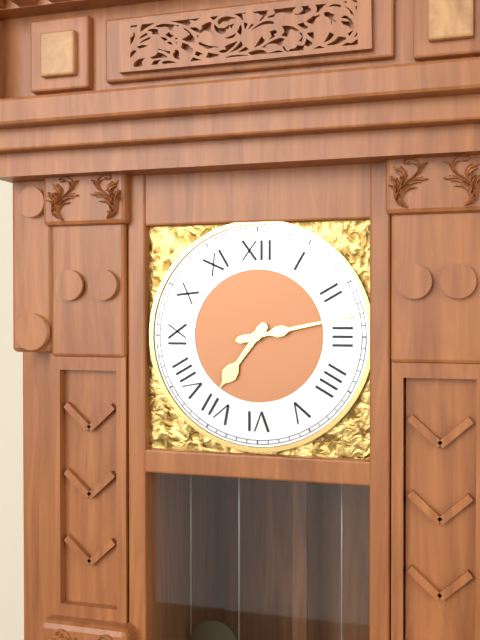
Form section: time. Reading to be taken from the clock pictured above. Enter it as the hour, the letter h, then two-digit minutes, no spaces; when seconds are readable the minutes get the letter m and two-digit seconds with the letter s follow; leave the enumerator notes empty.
7h13
